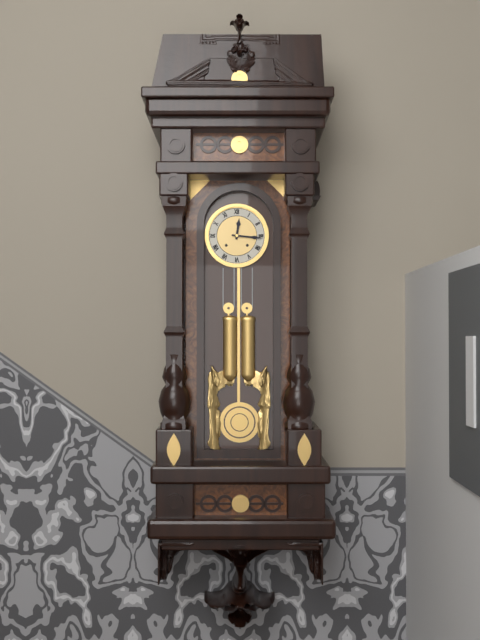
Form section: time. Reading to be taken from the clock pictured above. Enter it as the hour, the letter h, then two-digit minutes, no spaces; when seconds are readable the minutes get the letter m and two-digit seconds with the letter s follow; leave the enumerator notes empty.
12h16
